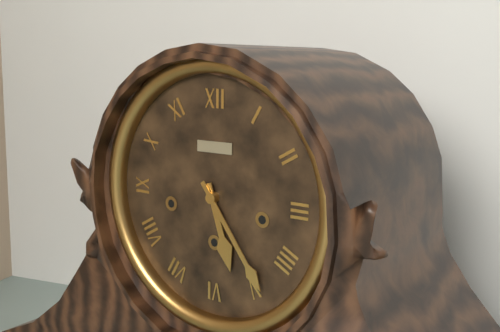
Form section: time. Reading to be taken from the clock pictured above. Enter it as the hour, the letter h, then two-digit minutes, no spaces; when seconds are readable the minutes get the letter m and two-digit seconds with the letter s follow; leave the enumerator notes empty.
5h24
